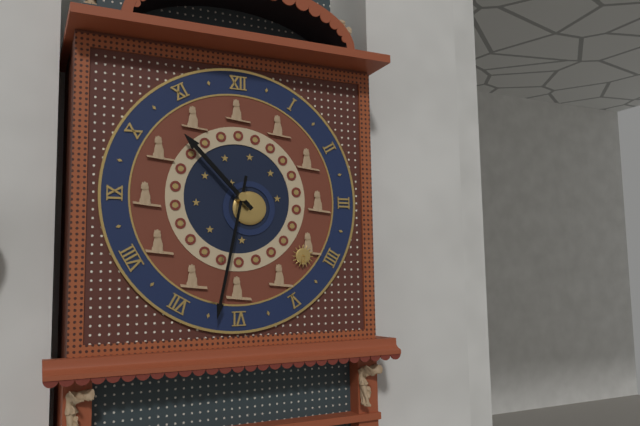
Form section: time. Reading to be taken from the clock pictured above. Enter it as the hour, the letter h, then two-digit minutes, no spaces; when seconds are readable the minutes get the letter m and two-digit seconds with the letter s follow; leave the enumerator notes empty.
10h32
